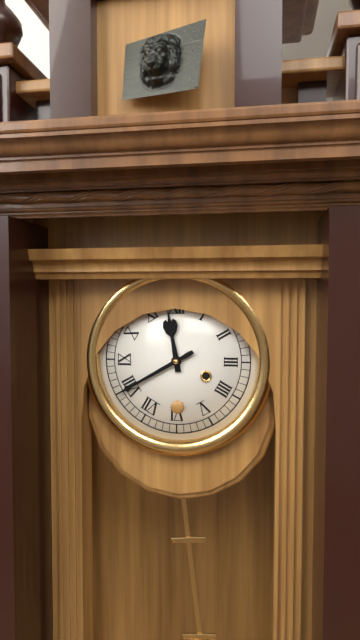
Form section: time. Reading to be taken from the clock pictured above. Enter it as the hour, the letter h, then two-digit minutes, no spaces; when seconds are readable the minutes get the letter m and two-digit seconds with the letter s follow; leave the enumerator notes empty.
11h40
